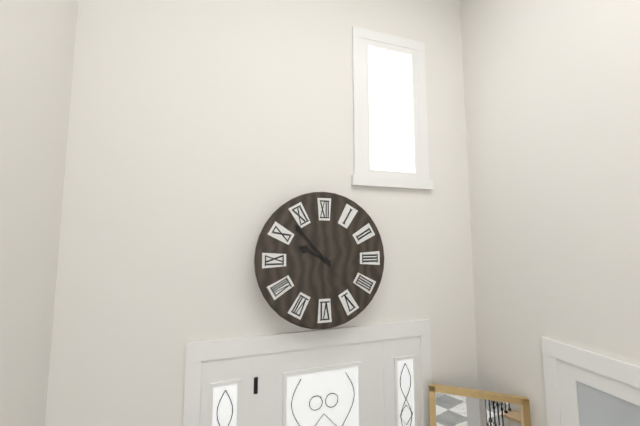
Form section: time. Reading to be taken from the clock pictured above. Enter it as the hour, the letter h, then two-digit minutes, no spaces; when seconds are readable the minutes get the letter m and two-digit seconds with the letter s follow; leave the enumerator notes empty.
9h53
